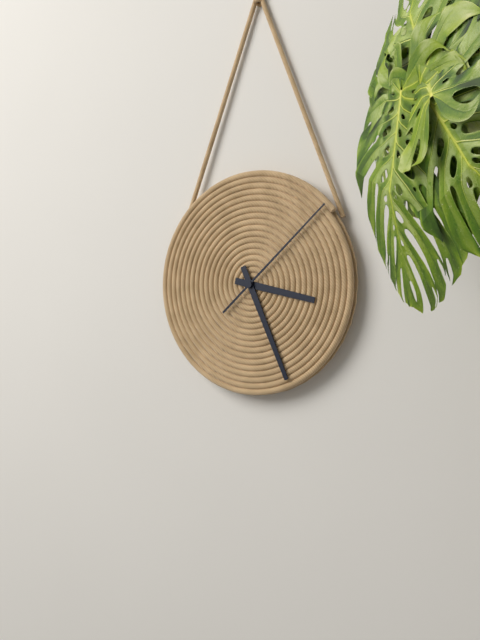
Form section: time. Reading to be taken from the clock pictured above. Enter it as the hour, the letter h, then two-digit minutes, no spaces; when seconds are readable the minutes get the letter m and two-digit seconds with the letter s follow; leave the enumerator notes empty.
3h26m08s
